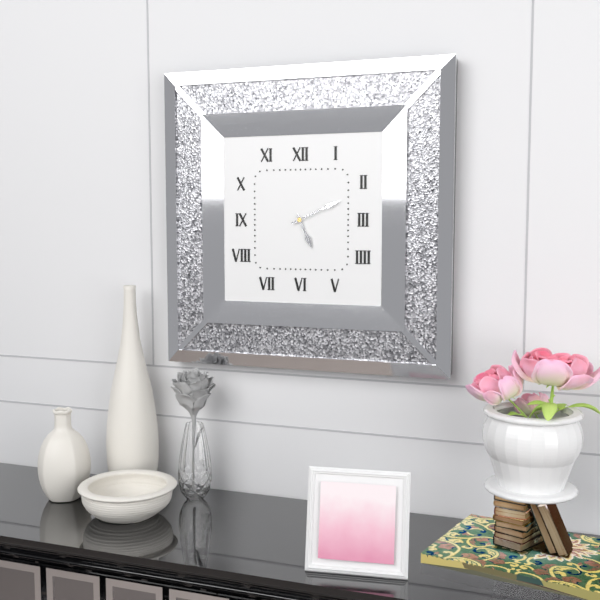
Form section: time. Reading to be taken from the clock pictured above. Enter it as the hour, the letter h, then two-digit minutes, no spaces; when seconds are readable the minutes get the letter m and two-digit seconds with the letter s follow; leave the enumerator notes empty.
5h11
